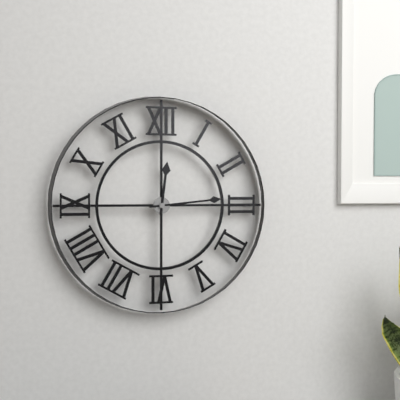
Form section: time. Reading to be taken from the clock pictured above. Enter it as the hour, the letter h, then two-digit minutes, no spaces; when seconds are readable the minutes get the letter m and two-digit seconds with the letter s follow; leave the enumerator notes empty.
12h14
